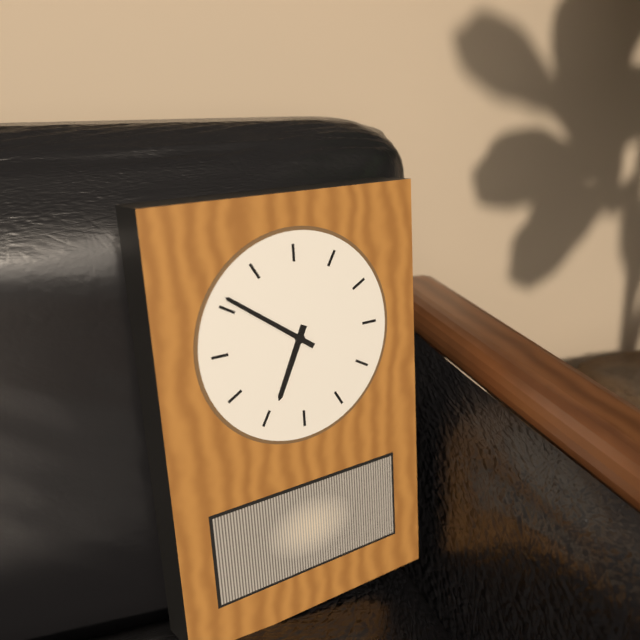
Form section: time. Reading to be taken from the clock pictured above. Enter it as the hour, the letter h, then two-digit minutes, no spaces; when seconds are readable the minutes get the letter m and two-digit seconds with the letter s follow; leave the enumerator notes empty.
6h51
